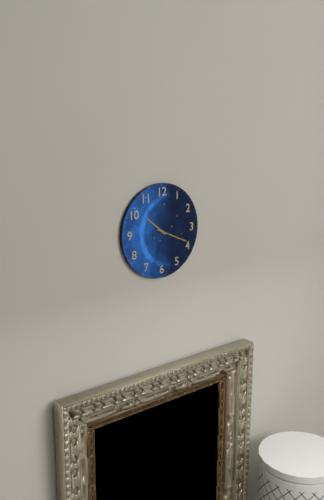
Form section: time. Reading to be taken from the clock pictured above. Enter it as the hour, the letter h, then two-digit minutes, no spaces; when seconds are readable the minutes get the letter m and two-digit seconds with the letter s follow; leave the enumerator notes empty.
10h19
